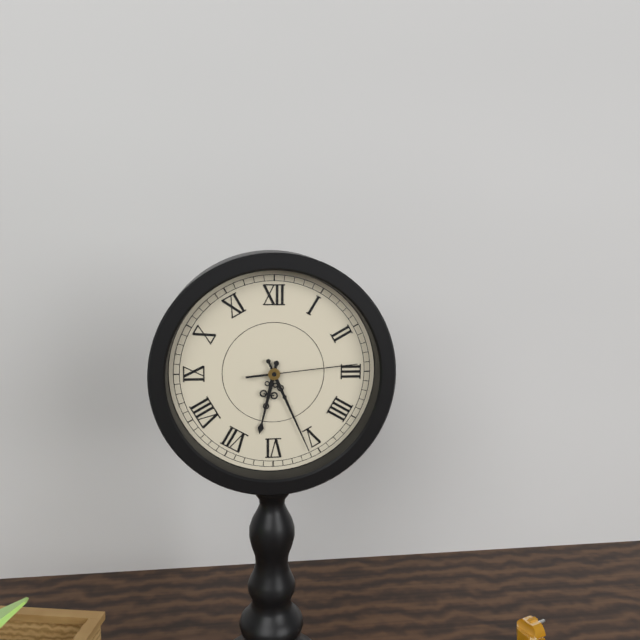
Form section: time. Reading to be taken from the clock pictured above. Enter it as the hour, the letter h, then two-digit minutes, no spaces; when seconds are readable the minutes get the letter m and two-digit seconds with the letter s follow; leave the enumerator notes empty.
6h26m14s
